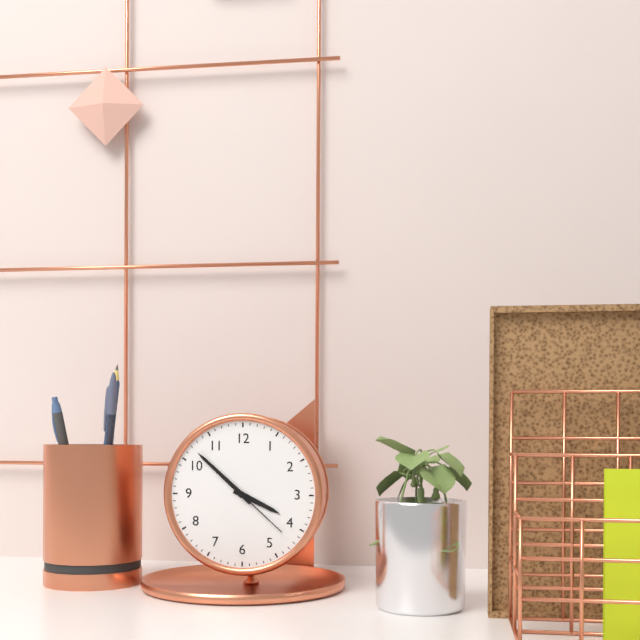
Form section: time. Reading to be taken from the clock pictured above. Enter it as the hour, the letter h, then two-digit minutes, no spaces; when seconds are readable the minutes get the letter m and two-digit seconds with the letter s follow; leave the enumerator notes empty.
3h52m22s
